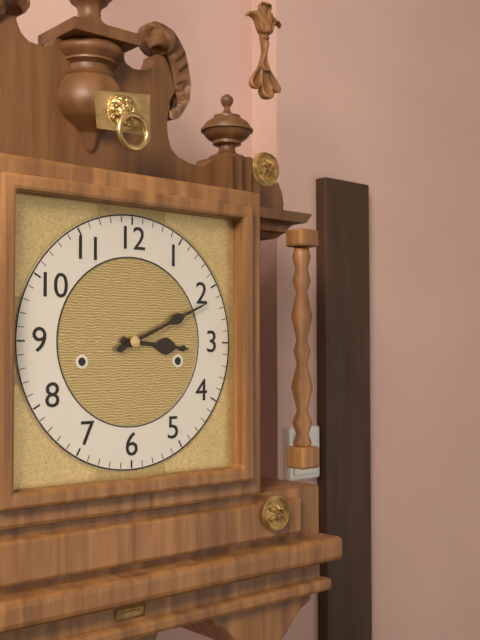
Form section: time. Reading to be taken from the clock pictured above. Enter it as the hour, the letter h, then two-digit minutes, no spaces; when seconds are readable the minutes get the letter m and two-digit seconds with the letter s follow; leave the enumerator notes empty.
3h11
